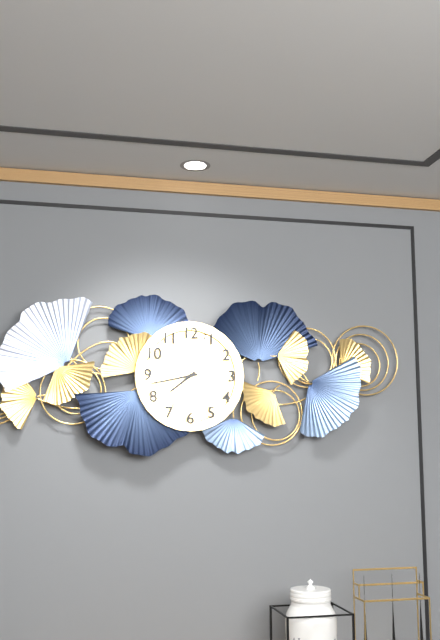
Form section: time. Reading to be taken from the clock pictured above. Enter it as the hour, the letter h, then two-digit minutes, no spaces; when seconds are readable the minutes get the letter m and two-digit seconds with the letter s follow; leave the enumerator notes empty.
7h43
